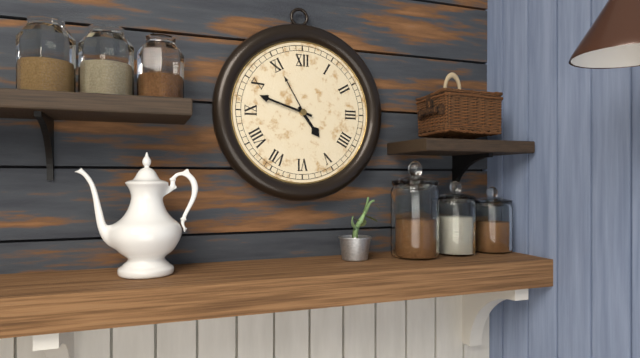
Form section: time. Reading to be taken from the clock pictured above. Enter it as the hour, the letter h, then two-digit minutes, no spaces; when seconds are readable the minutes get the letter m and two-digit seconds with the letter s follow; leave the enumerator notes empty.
4h48m55s
